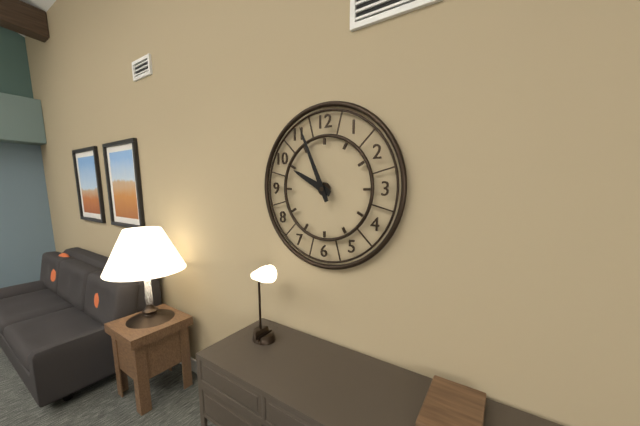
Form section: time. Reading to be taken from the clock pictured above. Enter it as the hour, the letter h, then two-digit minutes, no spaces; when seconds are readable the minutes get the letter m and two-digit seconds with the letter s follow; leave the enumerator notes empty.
9h56
